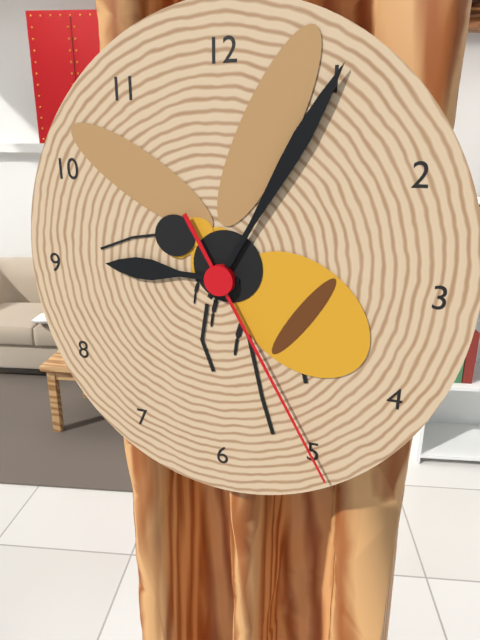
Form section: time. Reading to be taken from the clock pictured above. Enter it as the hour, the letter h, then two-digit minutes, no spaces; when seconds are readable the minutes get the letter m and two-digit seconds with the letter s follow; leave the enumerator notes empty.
9h05m25s
